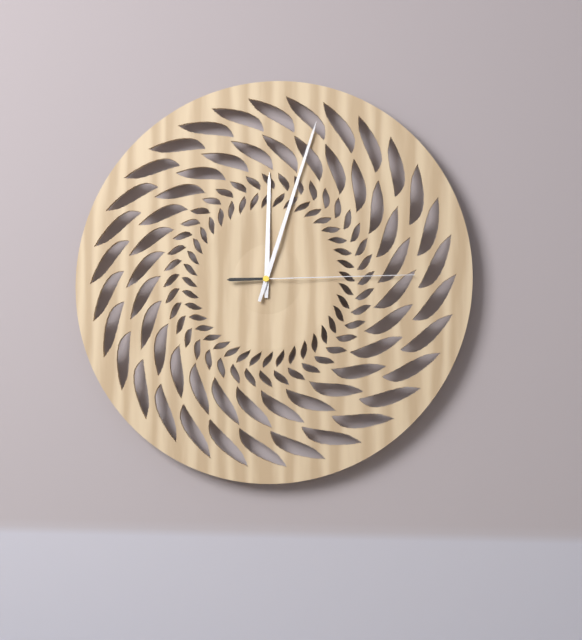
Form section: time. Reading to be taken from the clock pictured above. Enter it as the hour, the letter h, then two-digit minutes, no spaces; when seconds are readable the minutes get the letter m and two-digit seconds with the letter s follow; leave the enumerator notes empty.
12h03m15s
